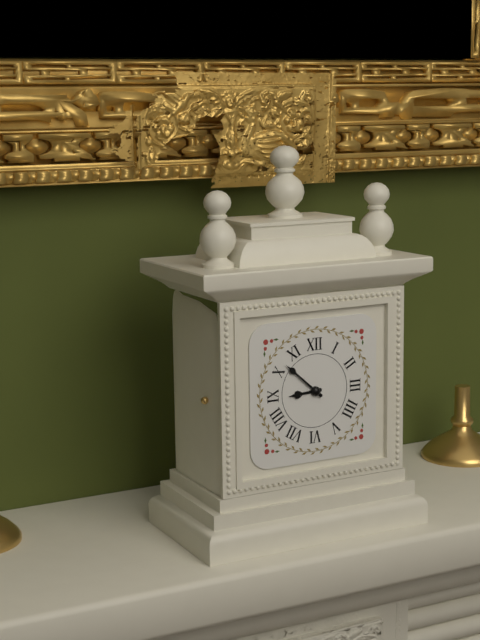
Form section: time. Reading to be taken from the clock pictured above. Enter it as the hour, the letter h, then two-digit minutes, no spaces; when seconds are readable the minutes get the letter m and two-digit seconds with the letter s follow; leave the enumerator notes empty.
8h52
